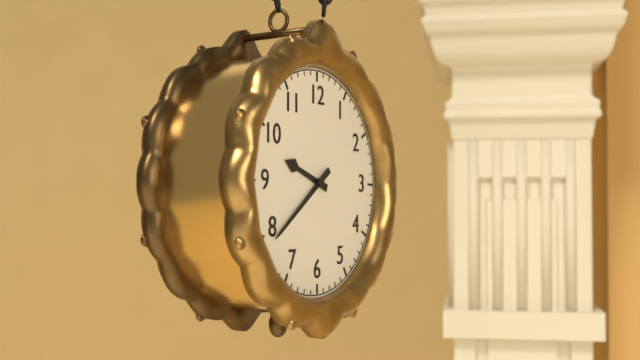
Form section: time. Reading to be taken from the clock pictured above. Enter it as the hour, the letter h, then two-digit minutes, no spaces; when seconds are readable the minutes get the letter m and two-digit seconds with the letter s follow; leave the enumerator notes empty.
9h39
